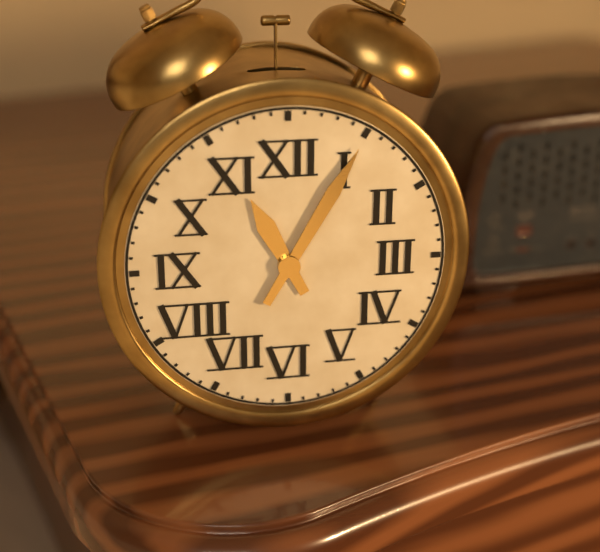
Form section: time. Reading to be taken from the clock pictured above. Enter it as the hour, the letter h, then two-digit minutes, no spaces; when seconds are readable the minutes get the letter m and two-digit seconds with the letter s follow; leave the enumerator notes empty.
11h05
